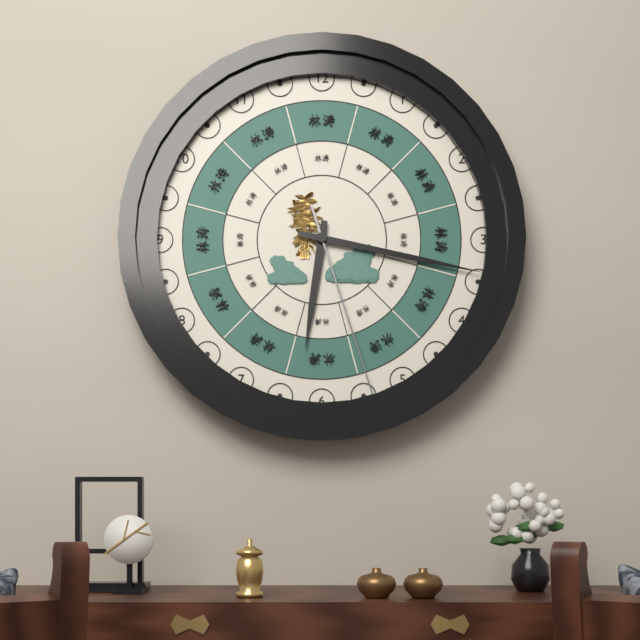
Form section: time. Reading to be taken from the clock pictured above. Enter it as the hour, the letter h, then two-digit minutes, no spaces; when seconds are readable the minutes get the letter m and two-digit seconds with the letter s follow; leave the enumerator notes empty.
6h17m27s
